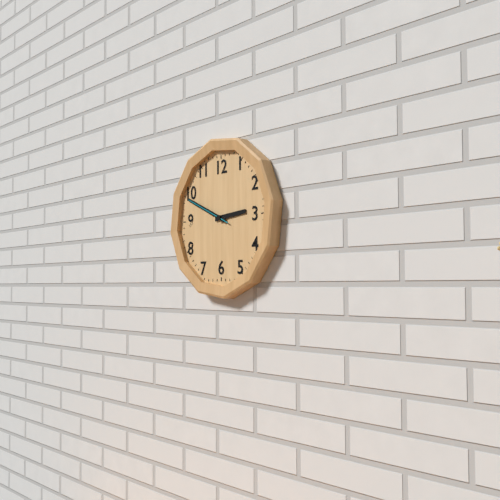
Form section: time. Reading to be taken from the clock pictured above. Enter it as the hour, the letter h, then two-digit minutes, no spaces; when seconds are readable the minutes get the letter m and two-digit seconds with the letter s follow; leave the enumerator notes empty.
2h49
